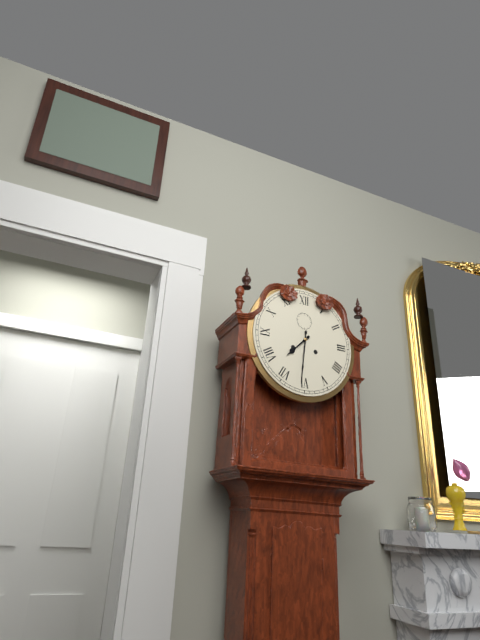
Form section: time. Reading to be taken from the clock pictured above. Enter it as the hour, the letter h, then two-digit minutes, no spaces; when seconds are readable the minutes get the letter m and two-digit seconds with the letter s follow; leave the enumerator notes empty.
7h31
